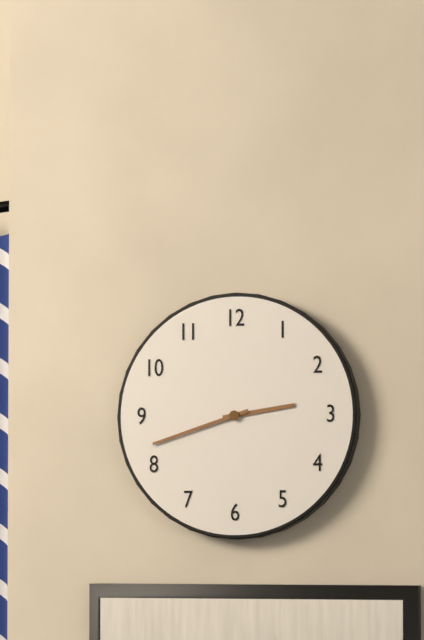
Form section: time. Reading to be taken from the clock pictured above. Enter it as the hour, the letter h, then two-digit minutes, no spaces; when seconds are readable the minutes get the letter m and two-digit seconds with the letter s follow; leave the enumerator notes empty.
2h42
